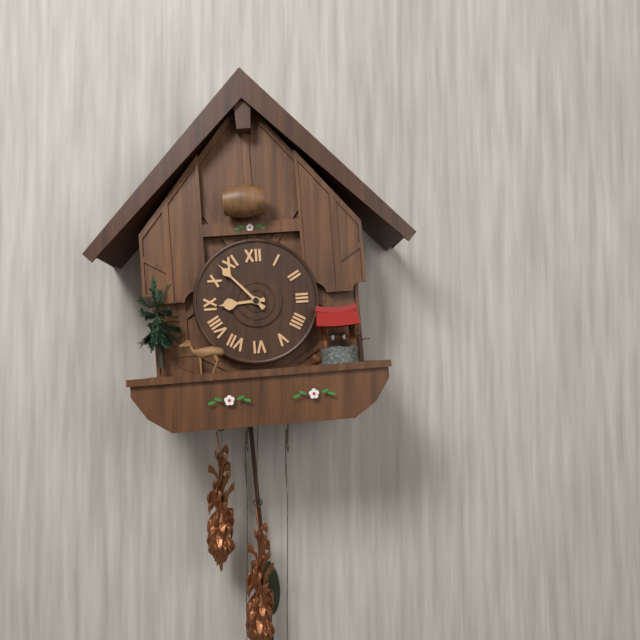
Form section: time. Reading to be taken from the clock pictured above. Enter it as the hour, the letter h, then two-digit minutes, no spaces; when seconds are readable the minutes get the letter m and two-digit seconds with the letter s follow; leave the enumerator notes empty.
8h53
